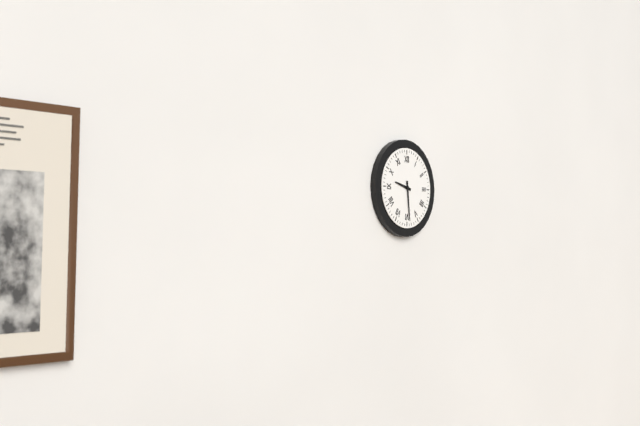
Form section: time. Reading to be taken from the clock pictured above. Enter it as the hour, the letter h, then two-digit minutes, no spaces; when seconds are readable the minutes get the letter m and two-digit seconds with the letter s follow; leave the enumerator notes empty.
9h29
